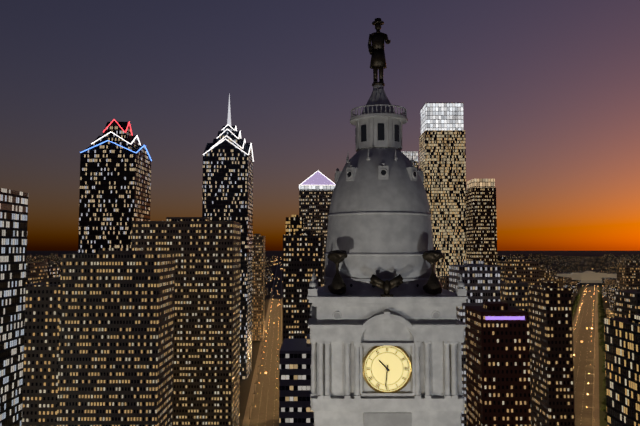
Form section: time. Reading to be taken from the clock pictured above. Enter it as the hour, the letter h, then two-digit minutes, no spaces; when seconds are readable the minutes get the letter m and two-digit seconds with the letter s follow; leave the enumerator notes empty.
10h31
